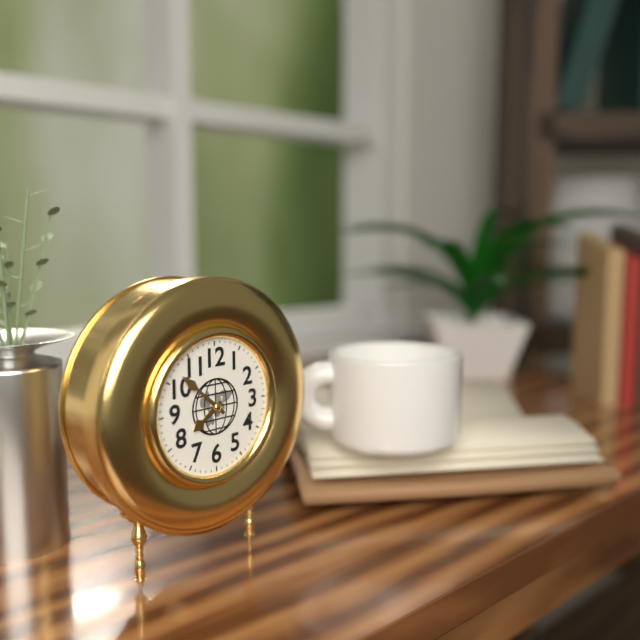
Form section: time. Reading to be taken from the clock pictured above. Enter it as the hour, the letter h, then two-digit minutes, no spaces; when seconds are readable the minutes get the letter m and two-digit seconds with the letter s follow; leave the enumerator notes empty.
7h52
